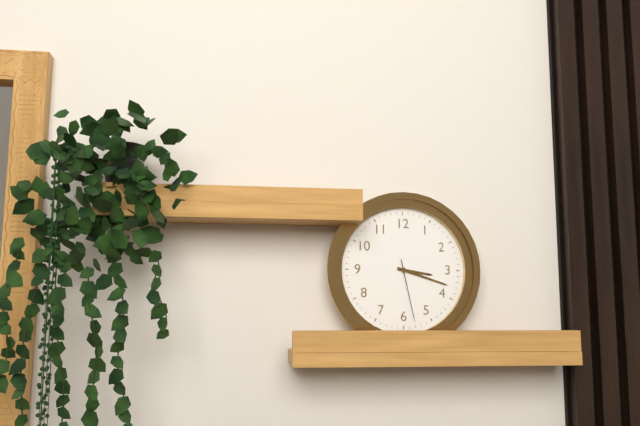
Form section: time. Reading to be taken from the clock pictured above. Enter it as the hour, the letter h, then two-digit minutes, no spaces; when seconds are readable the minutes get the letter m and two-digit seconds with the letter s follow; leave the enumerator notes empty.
3h18m28s
